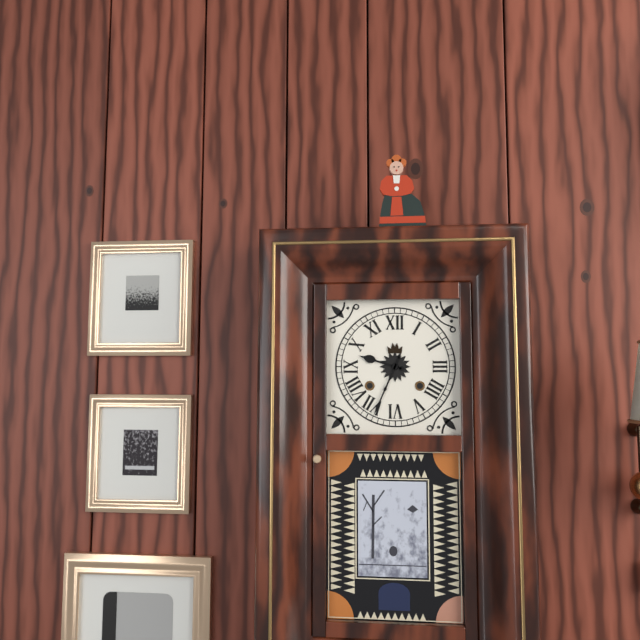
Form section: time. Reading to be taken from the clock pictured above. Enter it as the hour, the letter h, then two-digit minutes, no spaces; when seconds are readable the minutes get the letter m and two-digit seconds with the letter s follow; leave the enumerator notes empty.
9h34
